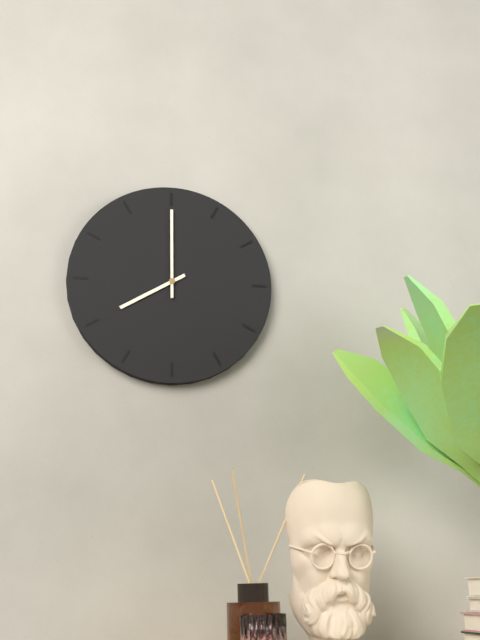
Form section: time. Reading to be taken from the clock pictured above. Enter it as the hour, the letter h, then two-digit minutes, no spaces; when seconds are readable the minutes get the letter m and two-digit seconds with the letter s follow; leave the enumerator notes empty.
8h00
